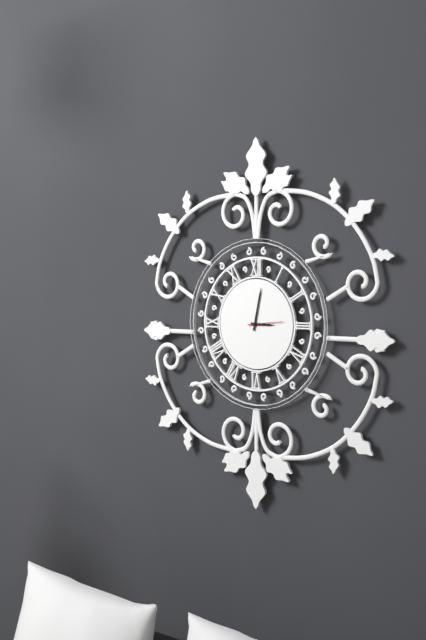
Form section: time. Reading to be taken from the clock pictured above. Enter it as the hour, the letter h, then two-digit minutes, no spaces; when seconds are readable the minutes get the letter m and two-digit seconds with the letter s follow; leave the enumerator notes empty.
3h02
